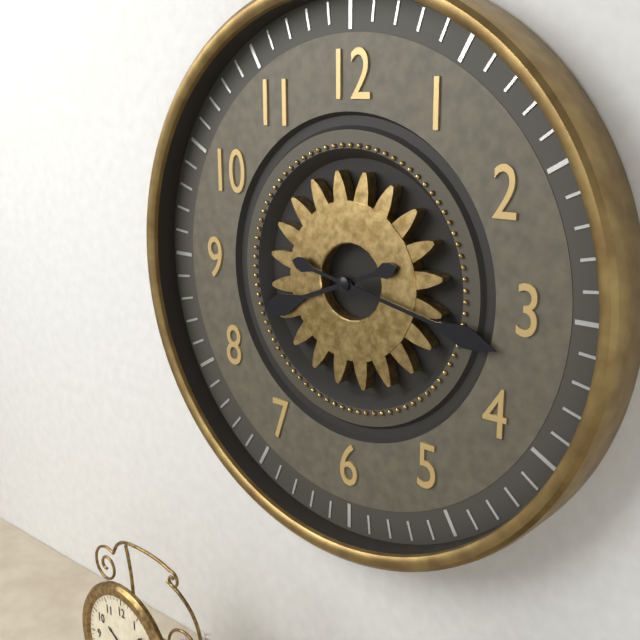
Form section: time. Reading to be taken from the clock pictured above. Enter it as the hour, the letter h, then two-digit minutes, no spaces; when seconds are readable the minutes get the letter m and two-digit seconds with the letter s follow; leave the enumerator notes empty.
8h17
